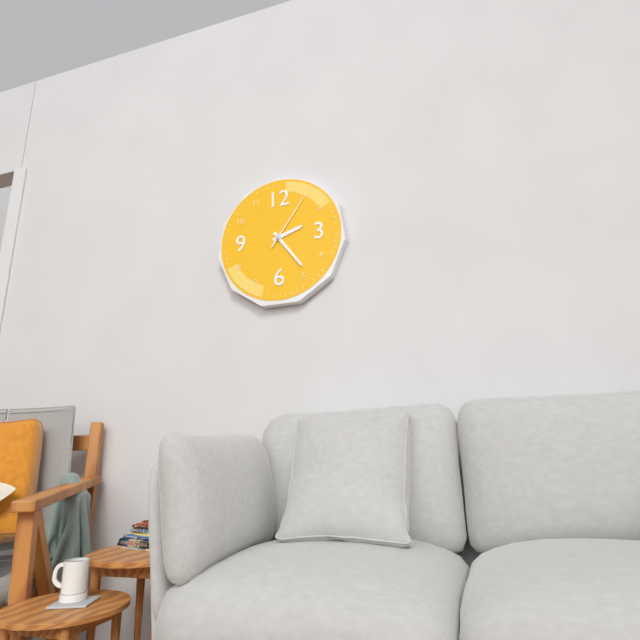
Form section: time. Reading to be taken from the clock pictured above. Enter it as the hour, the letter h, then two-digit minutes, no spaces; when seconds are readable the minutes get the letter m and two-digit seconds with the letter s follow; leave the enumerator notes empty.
2h24m06s
